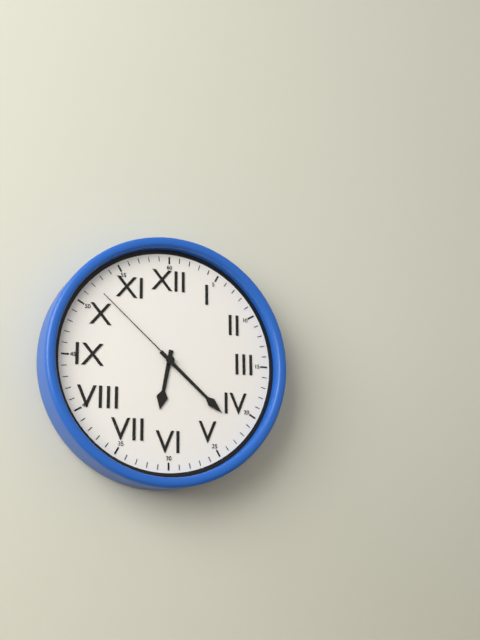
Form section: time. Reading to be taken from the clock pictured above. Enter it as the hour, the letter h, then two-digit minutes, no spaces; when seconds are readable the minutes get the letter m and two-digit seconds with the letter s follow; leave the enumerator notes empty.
6h22m52s
